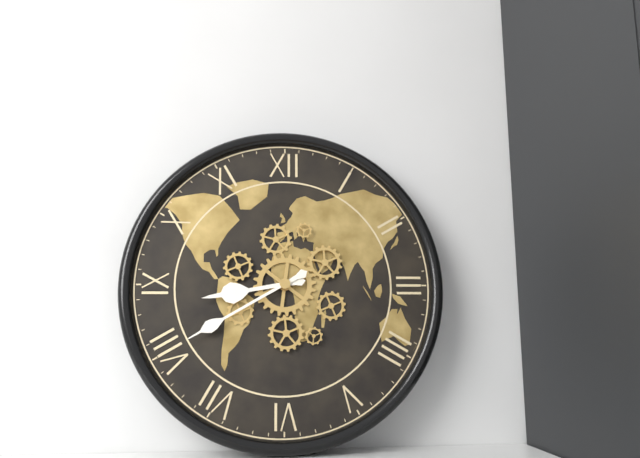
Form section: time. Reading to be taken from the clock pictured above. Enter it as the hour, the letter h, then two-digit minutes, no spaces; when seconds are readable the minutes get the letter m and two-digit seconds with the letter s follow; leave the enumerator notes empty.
8h40
